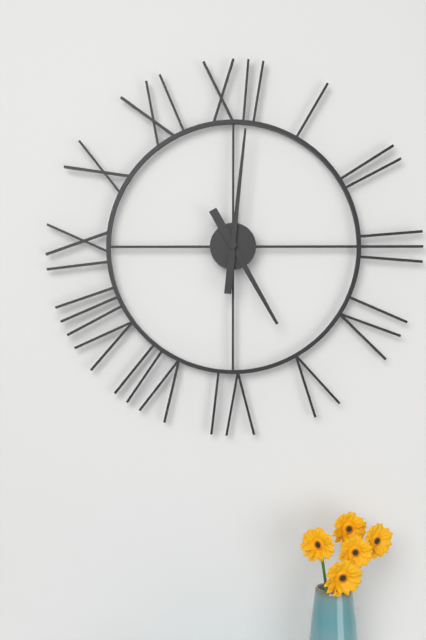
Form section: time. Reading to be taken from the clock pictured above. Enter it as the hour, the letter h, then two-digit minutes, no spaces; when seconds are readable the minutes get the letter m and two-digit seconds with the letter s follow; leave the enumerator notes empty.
5h01
